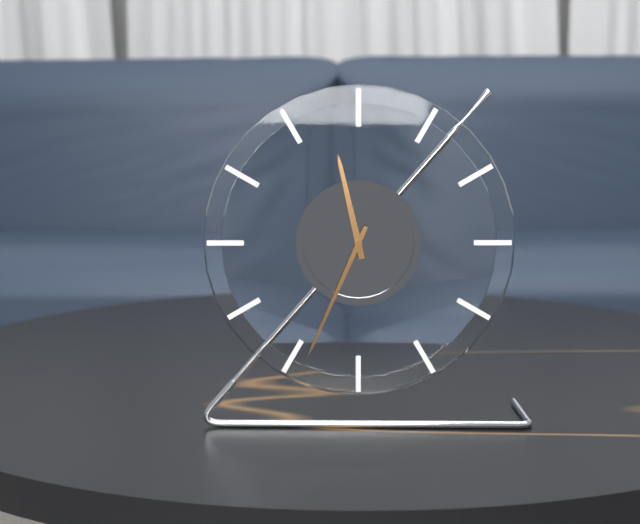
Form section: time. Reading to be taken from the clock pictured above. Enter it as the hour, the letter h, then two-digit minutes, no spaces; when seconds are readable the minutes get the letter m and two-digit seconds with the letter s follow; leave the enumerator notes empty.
11h34
